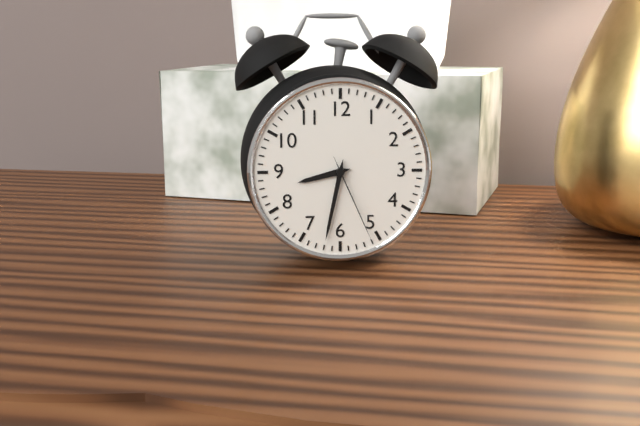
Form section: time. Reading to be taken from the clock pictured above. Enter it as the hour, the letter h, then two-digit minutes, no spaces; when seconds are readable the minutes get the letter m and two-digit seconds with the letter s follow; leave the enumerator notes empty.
8h32m26s
